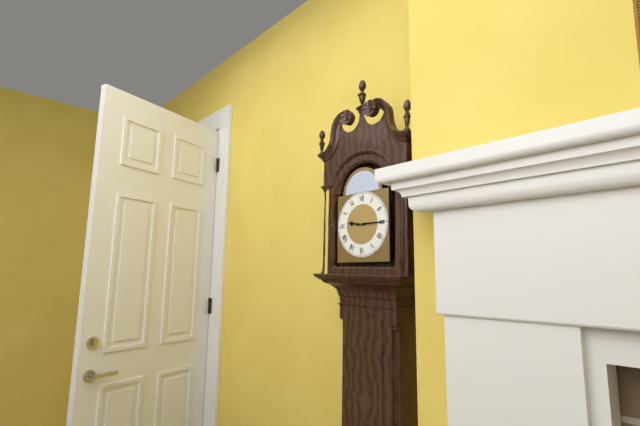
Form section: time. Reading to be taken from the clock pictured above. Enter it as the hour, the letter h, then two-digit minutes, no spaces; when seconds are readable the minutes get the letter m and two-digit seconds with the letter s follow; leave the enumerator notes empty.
9h15
